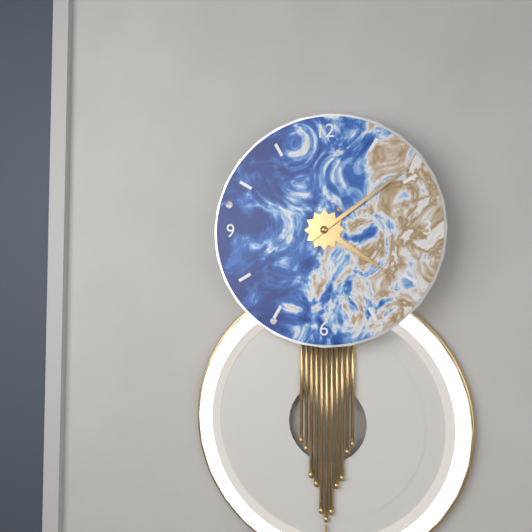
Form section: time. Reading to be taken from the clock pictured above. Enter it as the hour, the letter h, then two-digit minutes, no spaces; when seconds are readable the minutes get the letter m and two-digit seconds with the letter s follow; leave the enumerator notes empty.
4h09
